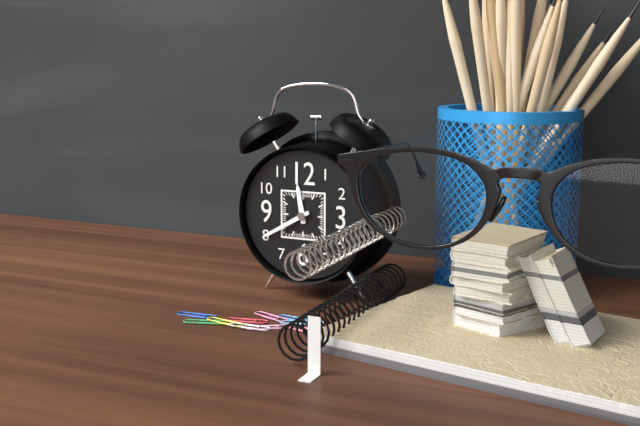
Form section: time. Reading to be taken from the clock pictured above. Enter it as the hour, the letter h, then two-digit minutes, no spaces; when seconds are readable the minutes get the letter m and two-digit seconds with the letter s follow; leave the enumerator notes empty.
11h40
